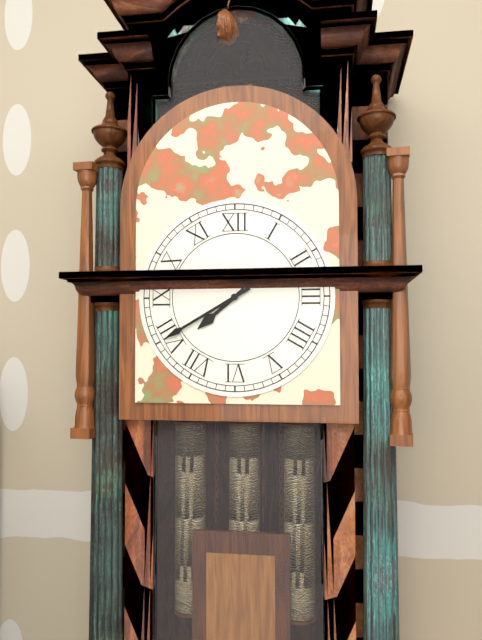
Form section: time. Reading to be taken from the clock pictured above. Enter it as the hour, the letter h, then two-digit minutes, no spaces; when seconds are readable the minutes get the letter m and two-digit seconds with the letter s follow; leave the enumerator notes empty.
7h40
